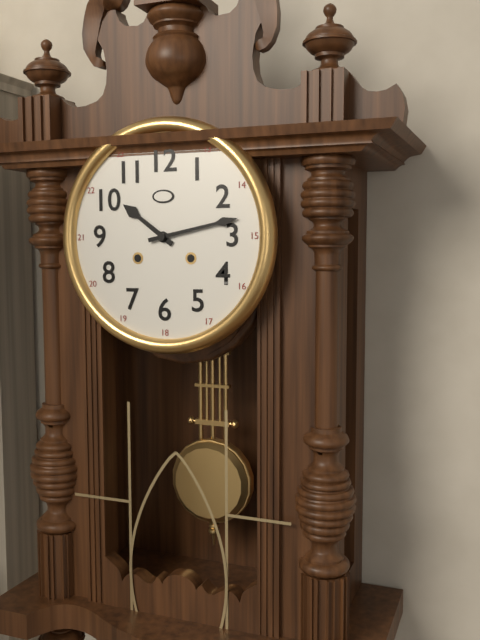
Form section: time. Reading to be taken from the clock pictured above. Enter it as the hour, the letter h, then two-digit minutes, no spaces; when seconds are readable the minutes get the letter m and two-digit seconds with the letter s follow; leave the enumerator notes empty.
10h13
